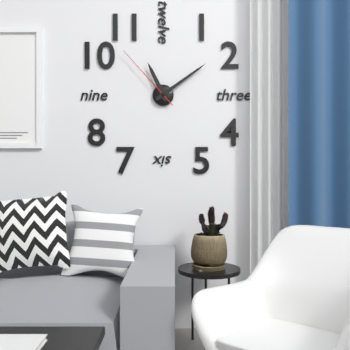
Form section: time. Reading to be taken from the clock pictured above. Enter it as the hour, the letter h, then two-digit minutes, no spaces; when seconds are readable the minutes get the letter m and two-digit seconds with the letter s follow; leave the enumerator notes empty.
11h09m53s
